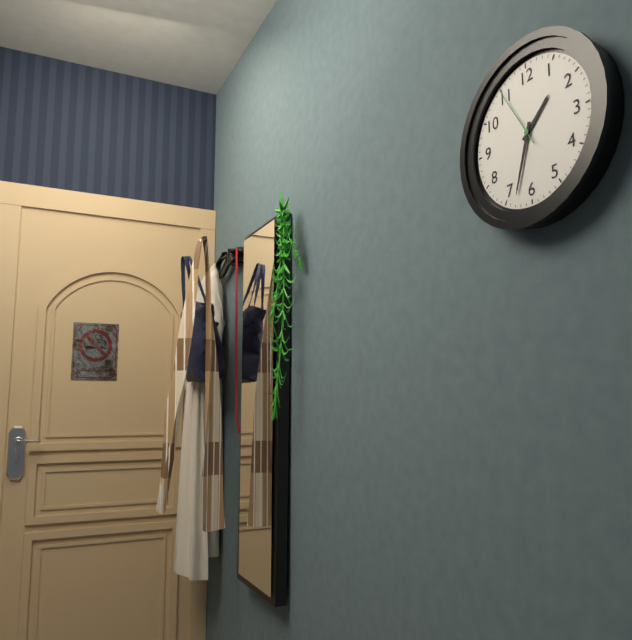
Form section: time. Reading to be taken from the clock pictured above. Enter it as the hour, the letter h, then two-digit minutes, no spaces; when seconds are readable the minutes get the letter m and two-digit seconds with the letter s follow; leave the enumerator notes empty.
1h33m55s
